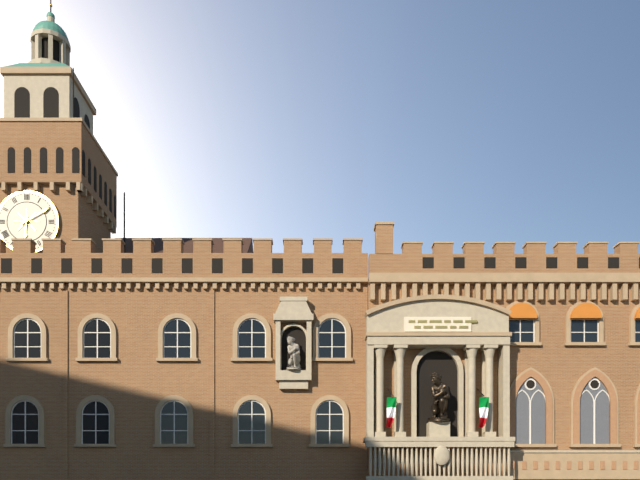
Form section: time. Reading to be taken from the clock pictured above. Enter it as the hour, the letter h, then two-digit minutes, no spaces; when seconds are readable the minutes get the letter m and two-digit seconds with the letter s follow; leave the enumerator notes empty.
6h10
